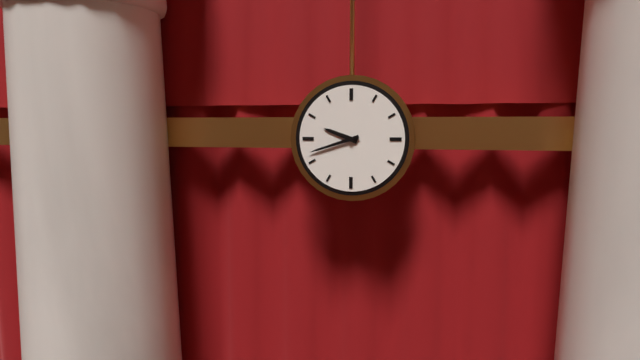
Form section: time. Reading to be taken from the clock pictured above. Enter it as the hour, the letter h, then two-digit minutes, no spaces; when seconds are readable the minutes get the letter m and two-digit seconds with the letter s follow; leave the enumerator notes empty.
9h42
